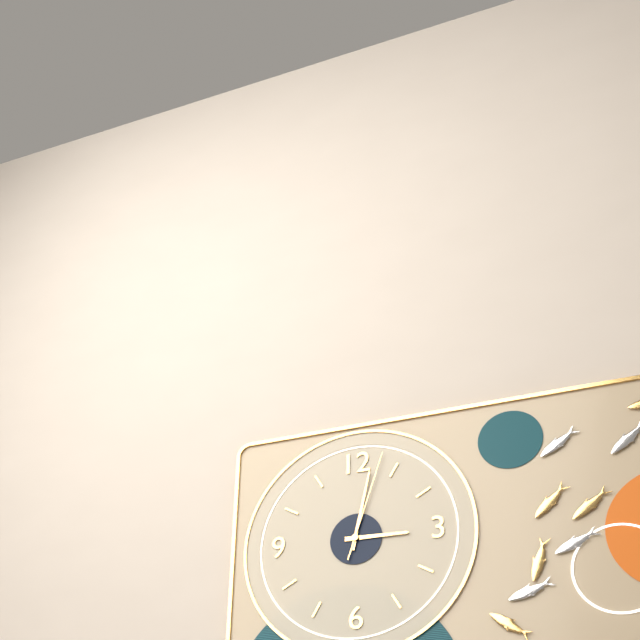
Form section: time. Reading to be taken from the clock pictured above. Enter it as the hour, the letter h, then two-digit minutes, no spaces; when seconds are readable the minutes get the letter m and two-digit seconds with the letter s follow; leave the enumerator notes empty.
3h02m03s
